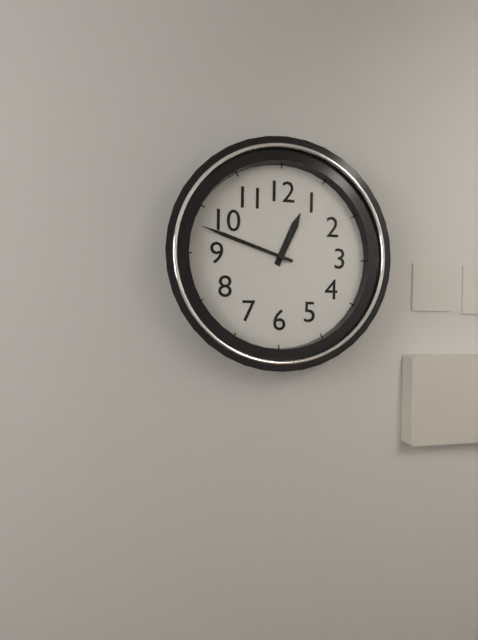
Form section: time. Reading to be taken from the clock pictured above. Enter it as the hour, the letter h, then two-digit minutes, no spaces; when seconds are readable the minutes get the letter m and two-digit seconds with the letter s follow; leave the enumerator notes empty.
12h48
